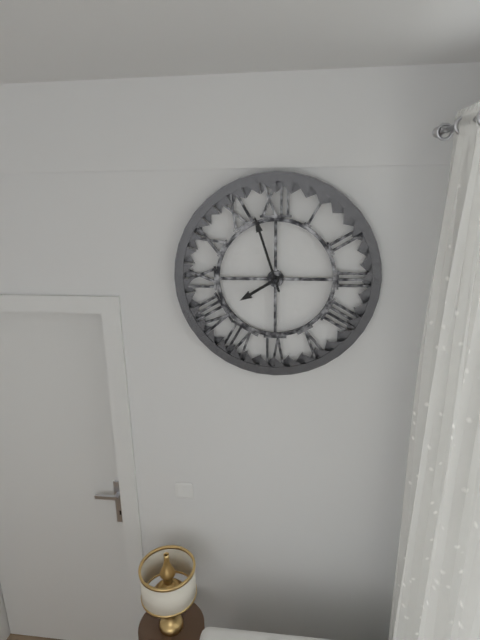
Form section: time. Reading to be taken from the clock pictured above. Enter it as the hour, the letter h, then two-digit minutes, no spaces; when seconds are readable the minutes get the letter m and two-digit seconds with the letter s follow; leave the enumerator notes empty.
7h57
